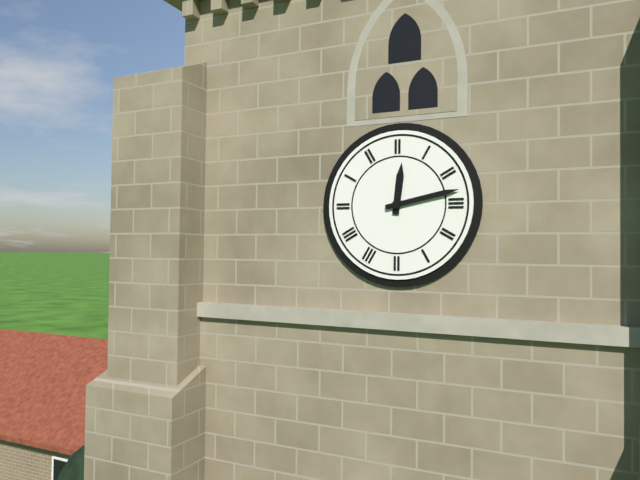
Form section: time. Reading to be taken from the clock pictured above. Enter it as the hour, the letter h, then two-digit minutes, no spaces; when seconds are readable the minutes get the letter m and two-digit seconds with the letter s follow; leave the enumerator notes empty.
12h13
